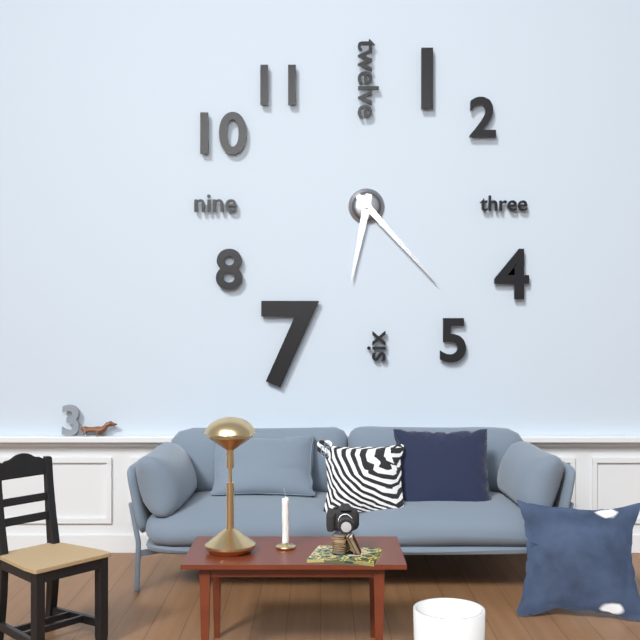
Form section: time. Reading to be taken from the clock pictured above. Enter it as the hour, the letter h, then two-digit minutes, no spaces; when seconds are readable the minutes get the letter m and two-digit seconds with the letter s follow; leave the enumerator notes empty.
6h23
